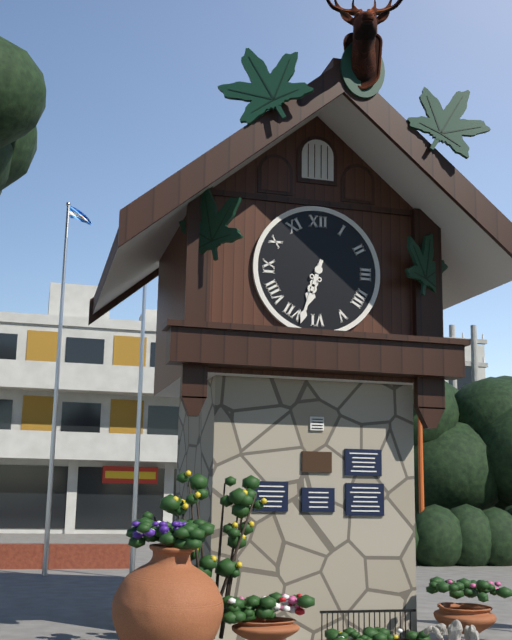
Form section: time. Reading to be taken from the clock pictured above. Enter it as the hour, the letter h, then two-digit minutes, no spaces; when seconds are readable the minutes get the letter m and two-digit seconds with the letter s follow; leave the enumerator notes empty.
6h33
